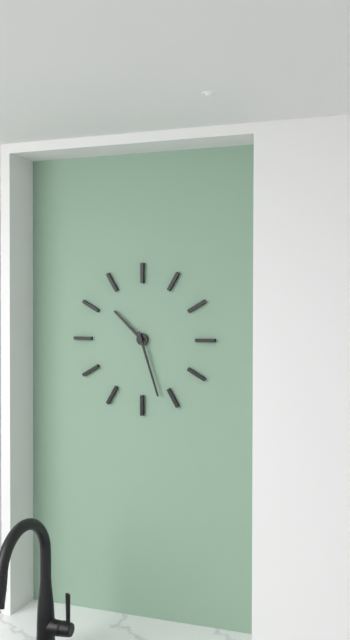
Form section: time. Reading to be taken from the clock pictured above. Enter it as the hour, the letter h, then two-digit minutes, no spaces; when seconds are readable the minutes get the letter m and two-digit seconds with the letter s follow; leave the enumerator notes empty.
10h27
